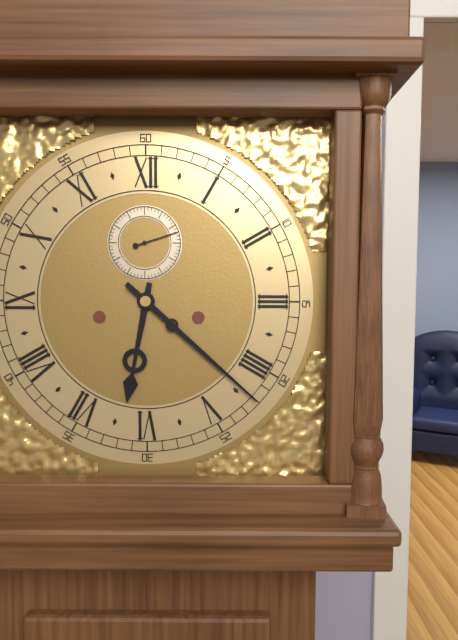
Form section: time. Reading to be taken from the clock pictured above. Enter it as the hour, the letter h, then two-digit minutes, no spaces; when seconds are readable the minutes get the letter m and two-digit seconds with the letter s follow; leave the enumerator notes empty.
6h22
